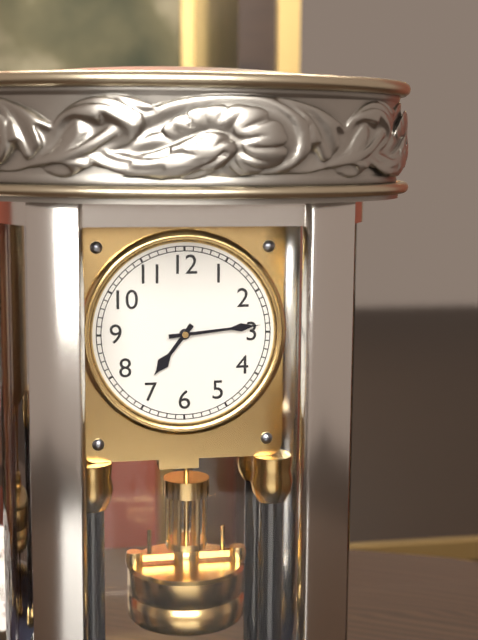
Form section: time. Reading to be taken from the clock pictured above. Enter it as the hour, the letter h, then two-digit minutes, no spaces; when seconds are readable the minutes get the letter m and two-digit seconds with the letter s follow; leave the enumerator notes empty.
7h14
